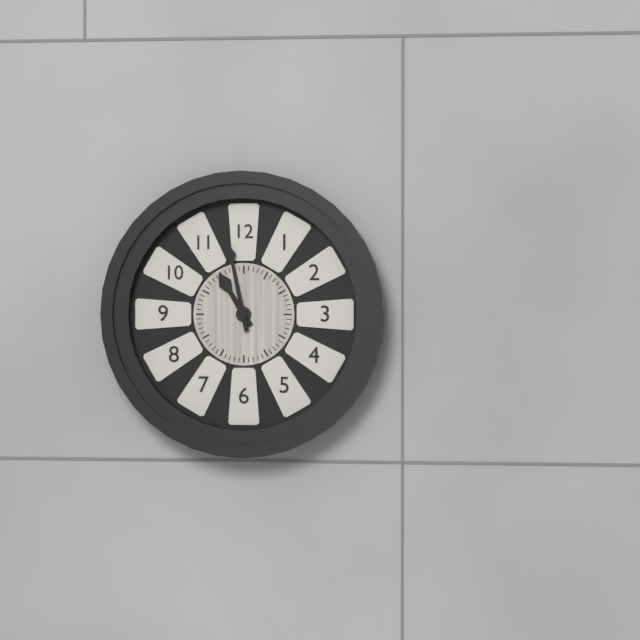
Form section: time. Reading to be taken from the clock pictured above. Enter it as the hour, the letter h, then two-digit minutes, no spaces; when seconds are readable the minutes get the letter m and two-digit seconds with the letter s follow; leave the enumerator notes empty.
10h58
